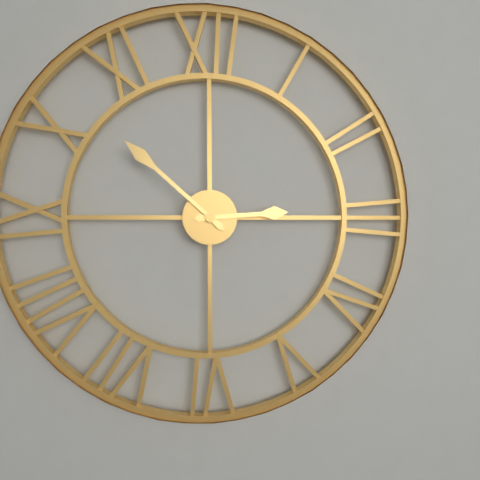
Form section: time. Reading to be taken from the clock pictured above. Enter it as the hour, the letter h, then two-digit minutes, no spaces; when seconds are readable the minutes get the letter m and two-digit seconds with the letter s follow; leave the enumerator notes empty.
2h52
